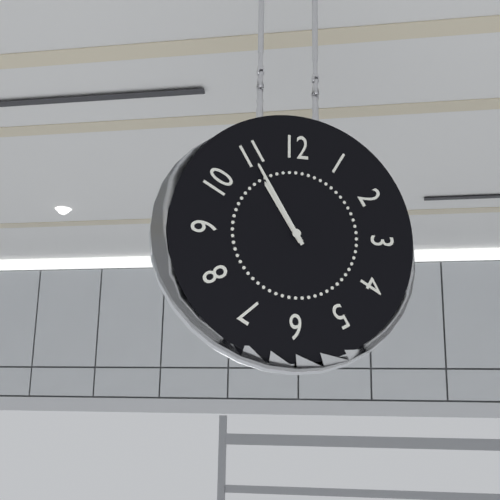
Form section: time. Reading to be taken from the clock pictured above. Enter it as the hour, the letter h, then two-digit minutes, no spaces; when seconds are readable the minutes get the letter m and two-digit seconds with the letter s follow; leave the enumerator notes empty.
10h55
